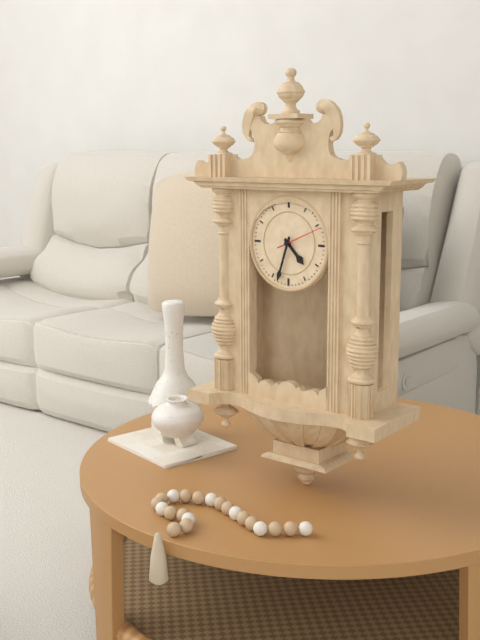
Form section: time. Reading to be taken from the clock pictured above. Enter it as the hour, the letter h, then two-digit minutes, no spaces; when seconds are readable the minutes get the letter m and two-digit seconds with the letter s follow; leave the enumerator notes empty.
4h33
